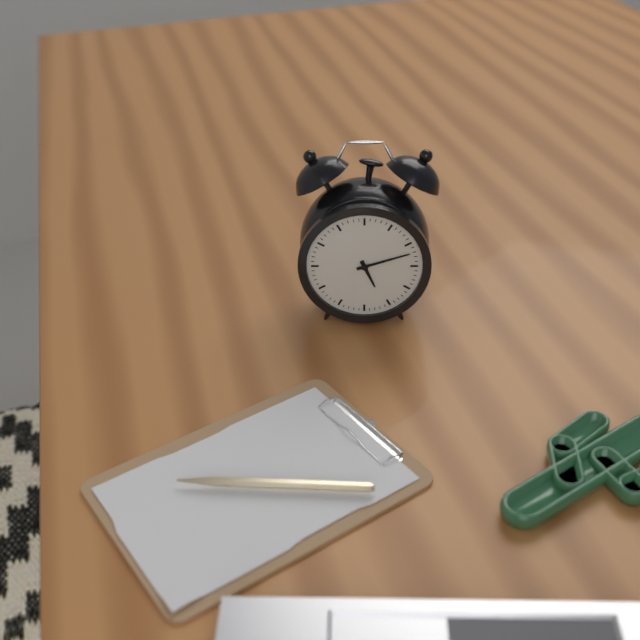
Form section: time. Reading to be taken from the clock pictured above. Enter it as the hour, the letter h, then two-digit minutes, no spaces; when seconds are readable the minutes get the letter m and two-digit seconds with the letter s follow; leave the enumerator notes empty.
5h12
